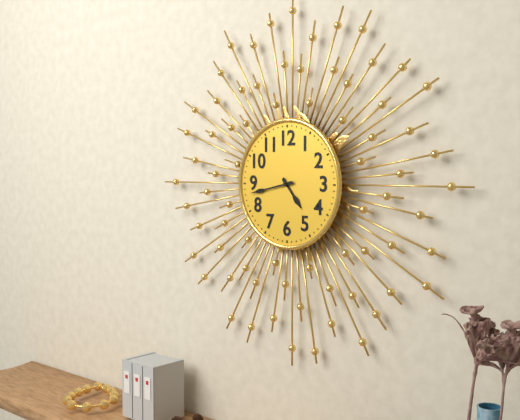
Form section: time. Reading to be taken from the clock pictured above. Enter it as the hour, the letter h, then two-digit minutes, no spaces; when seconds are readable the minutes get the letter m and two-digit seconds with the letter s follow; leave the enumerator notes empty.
4h43
